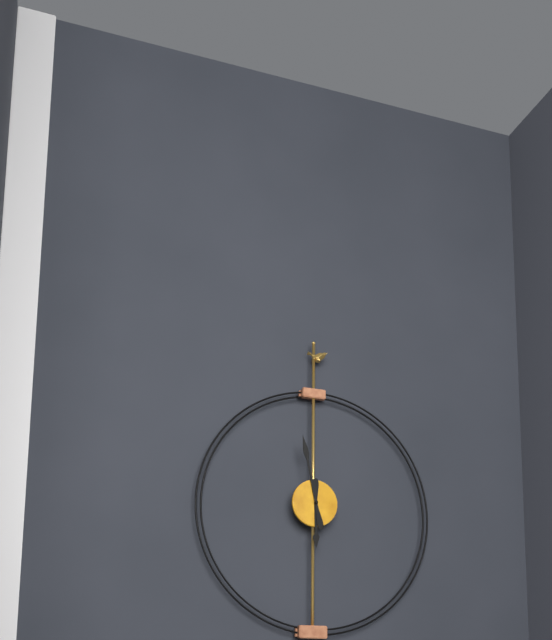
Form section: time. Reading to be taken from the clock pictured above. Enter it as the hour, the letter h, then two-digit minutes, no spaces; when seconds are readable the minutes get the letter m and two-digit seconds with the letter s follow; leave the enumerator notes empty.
5h58
